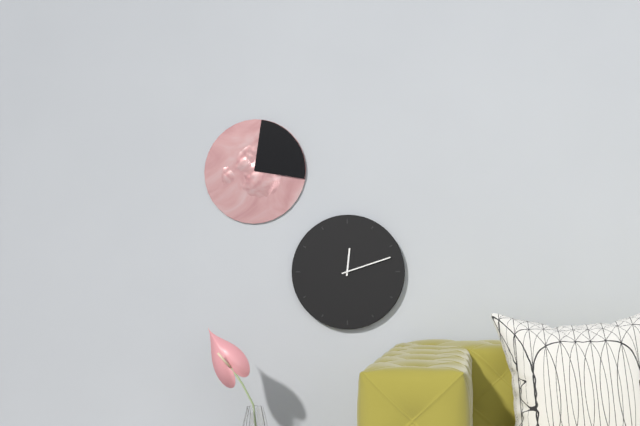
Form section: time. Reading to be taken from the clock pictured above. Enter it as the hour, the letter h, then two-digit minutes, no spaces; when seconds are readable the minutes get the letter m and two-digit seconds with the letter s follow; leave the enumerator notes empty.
12h12
